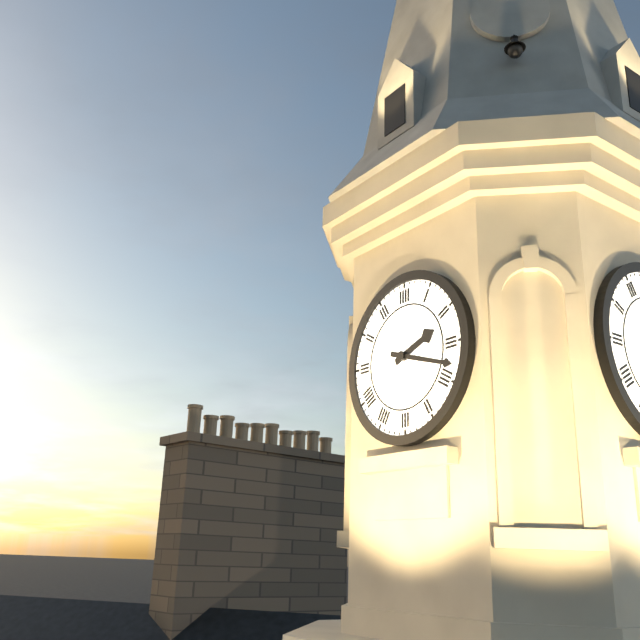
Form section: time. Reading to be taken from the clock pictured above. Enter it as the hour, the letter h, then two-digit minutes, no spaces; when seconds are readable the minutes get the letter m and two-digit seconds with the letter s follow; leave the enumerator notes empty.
2h18
